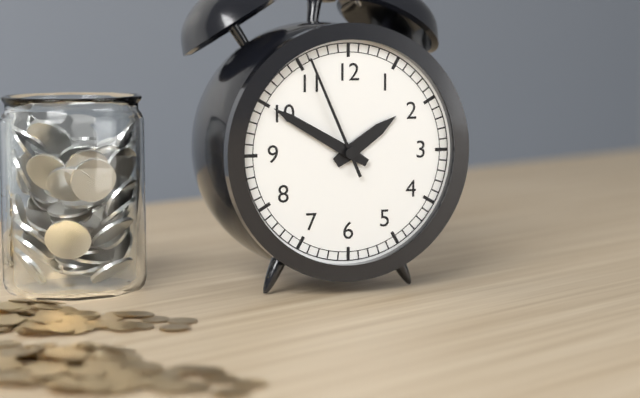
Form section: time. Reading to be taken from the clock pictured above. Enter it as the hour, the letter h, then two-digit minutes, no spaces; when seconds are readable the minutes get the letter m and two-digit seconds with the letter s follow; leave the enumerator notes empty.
1h50m56s
